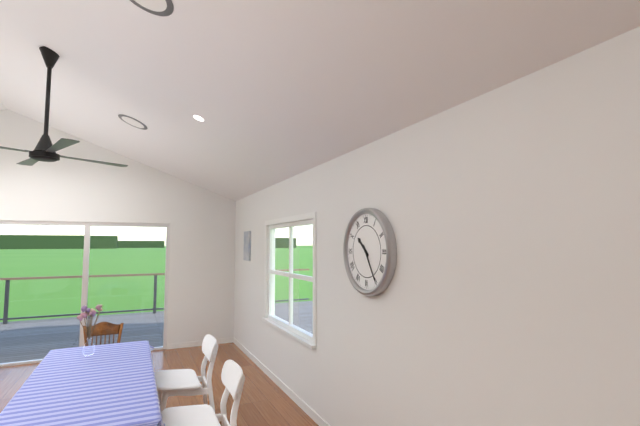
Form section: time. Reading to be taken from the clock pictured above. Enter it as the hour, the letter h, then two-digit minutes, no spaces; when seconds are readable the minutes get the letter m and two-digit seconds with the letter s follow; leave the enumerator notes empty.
10h25
